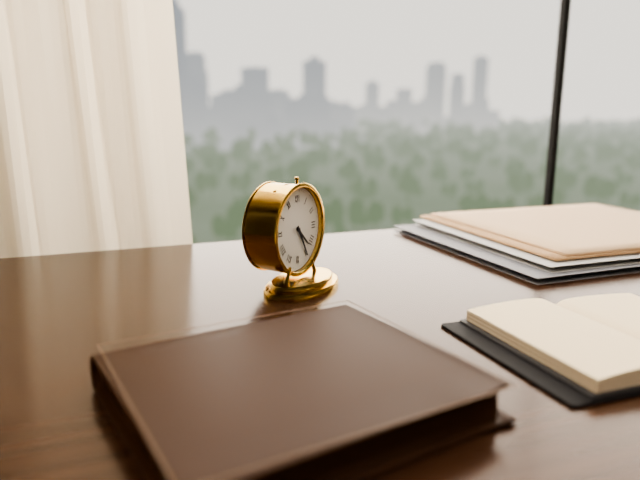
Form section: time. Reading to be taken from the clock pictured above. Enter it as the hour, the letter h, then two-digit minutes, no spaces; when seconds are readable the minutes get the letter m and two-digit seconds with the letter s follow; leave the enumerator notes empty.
4h25
